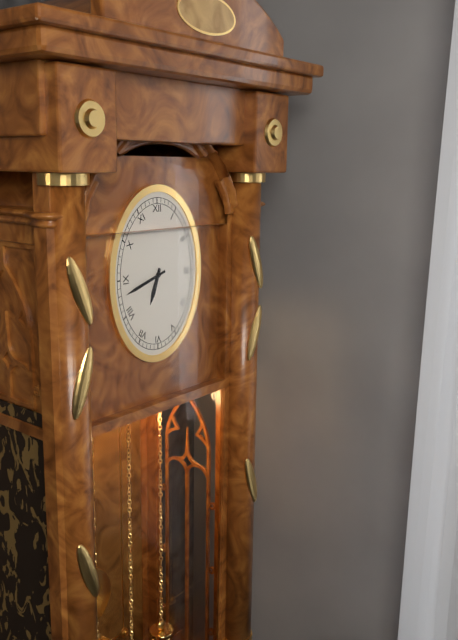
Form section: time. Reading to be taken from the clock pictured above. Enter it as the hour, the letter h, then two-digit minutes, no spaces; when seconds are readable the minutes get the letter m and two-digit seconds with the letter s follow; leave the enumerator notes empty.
6h42
